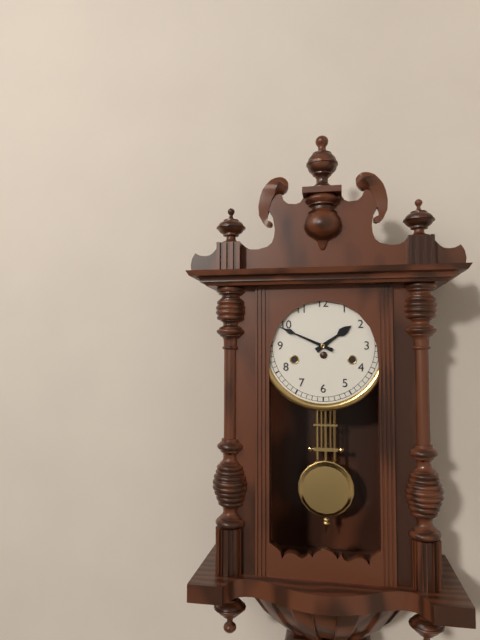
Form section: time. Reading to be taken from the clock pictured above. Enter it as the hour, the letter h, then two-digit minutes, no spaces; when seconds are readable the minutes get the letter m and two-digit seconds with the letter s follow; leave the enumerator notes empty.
1h49
